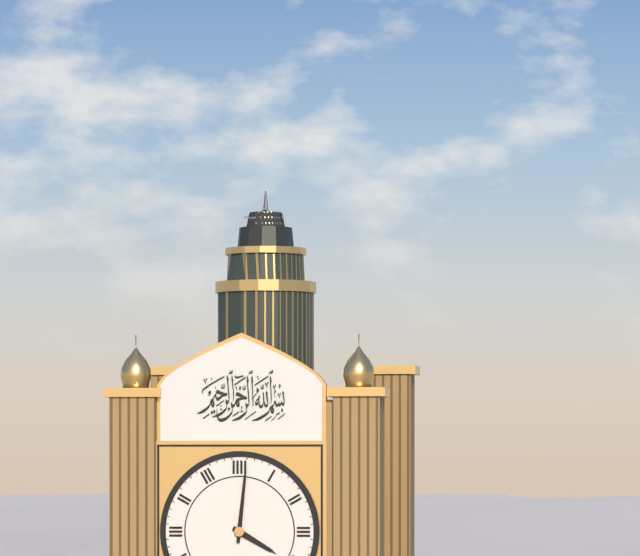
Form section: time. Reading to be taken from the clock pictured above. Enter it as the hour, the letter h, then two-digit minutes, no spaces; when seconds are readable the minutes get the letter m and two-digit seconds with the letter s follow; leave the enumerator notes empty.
4h01
